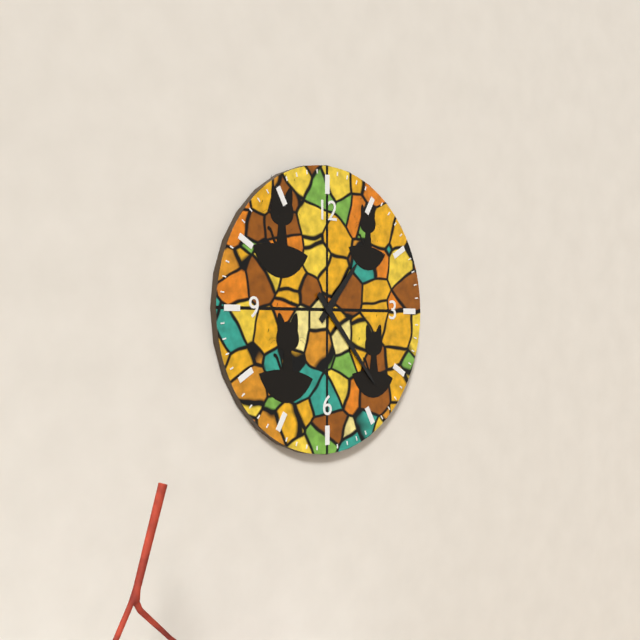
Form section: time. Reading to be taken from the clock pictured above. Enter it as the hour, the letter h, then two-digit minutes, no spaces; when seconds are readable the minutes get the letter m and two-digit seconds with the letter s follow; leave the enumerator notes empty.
1h23
